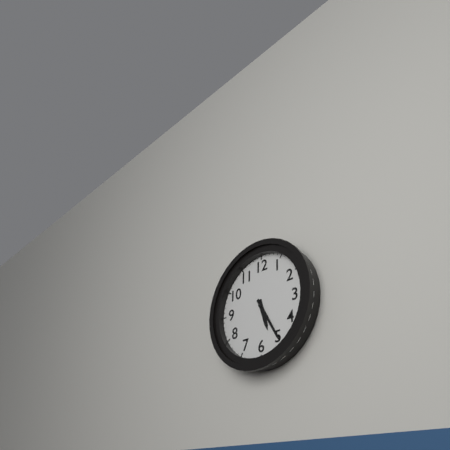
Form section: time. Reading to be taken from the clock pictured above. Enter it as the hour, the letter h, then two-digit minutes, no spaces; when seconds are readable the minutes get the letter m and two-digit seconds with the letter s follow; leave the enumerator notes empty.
5h25
